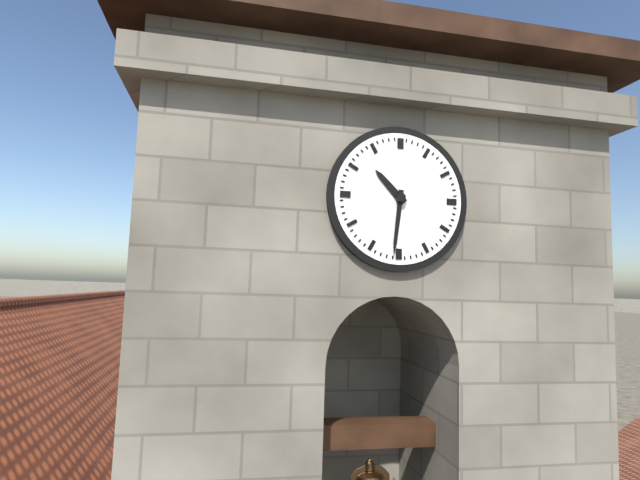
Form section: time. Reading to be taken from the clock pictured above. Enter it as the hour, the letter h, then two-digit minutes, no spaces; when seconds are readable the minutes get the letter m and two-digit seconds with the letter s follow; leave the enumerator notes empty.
10h31
